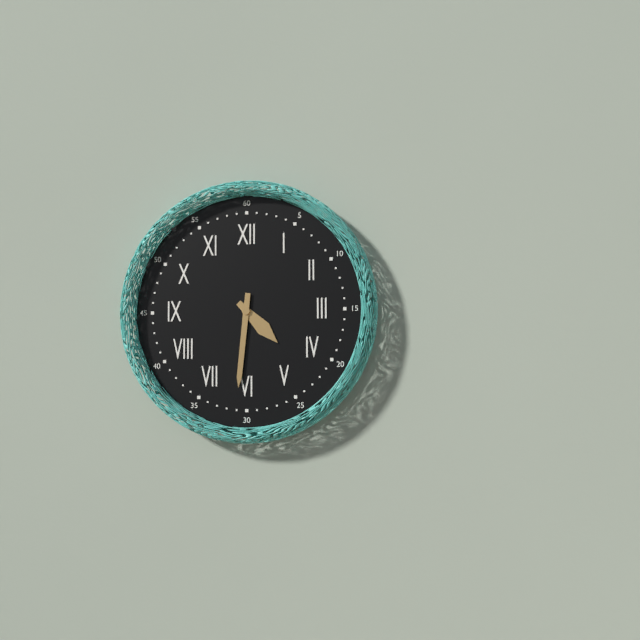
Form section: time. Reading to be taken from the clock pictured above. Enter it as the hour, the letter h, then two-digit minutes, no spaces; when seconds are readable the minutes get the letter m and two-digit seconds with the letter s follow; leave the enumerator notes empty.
4h31
